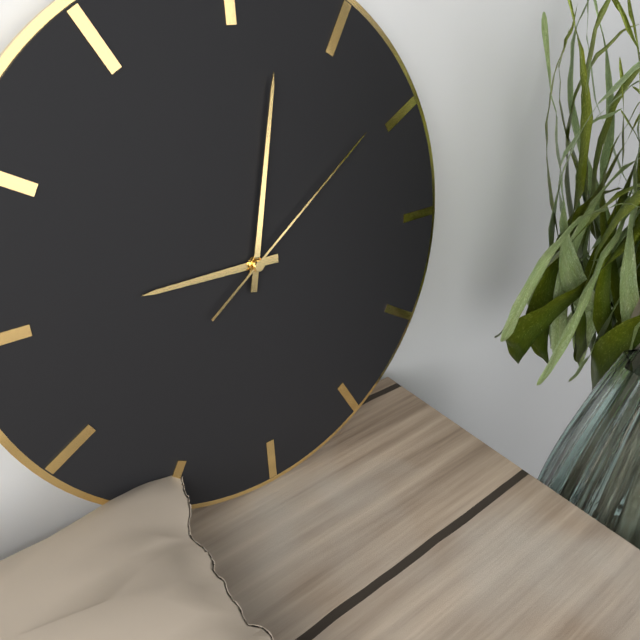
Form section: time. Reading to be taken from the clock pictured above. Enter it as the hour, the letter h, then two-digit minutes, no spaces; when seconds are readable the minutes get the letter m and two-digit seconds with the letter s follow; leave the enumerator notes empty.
9h02m09s
